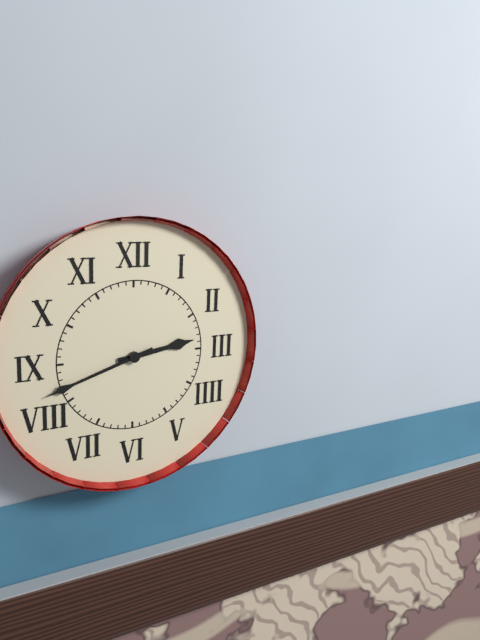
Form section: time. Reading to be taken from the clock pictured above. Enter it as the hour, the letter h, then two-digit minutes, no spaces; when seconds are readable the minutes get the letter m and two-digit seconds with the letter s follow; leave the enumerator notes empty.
2h42
